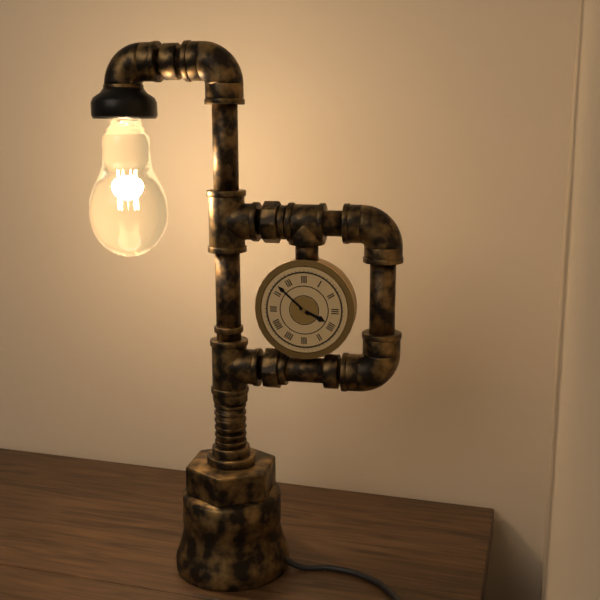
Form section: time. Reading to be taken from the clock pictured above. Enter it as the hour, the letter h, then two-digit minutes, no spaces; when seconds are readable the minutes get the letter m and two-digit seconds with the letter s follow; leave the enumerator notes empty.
3h52
